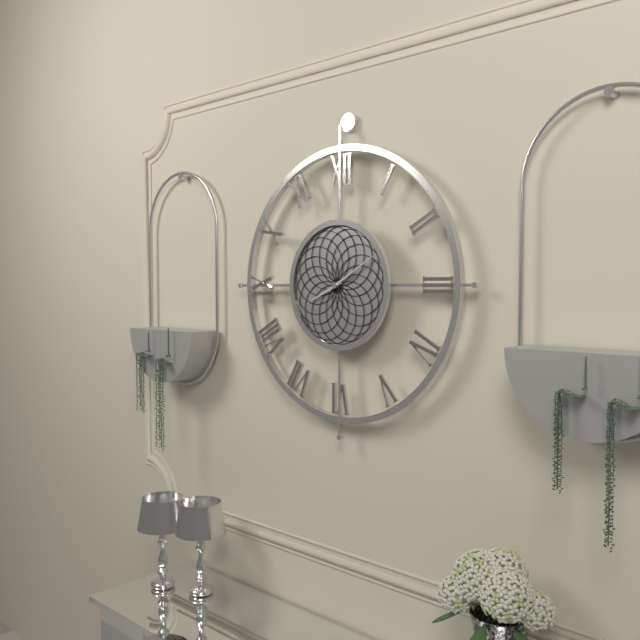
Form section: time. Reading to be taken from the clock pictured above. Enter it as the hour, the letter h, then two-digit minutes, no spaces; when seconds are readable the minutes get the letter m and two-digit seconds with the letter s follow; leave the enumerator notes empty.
8h10
